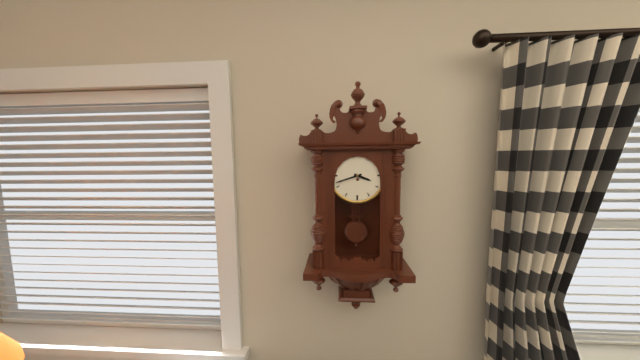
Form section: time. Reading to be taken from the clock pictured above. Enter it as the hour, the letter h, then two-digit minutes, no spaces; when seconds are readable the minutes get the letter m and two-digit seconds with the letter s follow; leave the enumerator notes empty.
3h42
